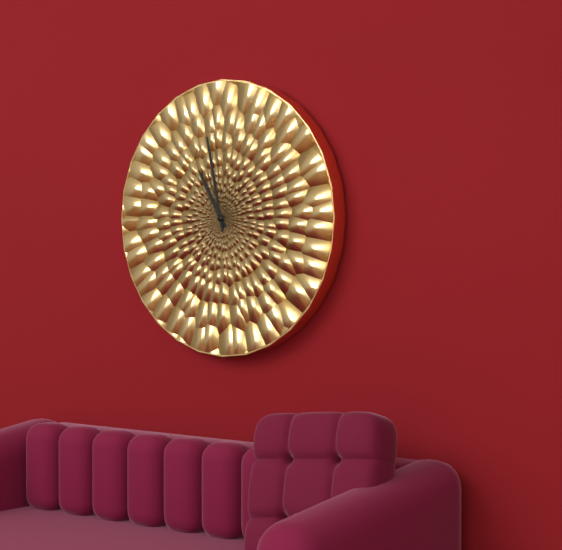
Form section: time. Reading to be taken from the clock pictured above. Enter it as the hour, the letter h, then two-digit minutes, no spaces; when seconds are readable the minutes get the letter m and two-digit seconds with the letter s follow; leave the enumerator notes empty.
10h58
